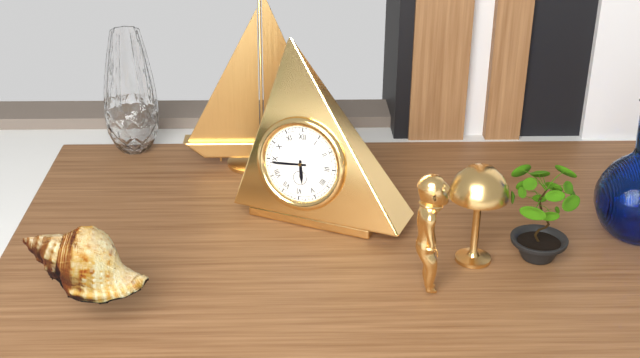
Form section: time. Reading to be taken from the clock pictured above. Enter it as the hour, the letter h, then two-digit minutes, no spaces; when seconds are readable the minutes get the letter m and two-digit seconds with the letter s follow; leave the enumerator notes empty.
5h44
